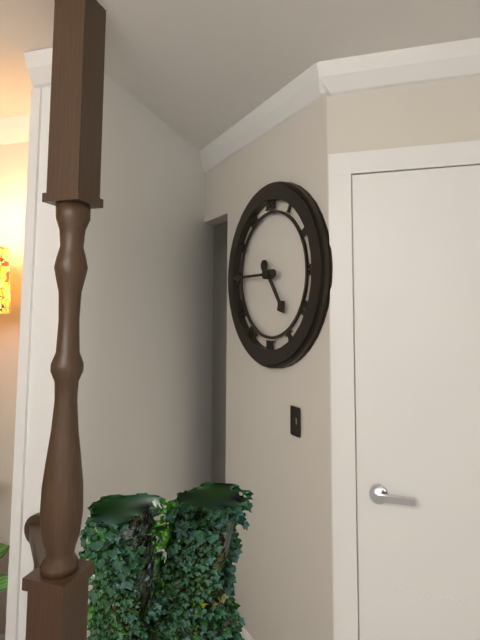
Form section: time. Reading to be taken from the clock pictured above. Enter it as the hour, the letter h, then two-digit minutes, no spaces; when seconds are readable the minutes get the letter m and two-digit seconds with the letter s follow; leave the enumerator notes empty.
4h45
